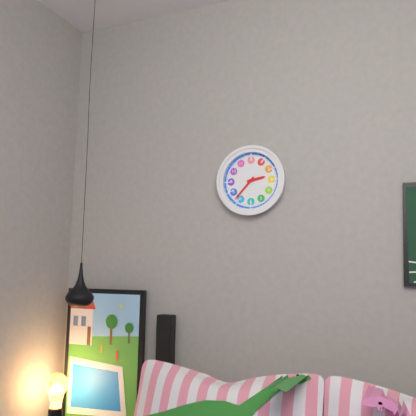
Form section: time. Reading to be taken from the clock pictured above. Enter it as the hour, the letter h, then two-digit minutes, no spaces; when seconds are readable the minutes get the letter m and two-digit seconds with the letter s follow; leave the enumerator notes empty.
2h37
